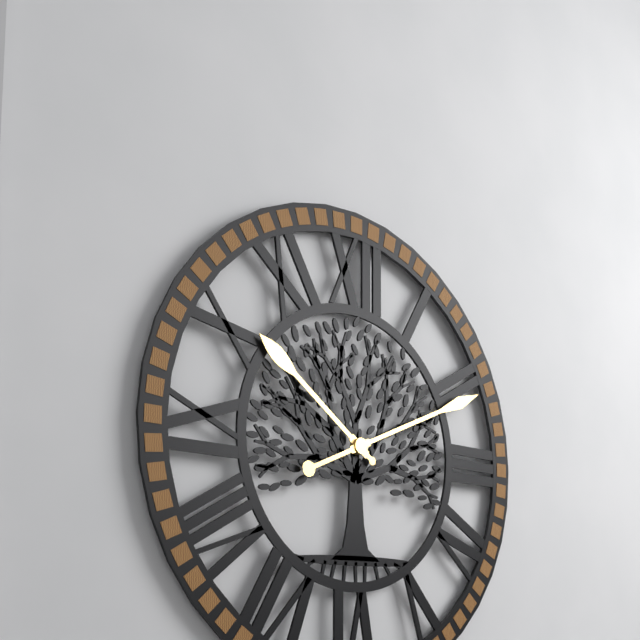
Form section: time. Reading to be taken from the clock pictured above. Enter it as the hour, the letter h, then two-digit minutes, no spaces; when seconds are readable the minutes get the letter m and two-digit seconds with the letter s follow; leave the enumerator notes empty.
10h11
